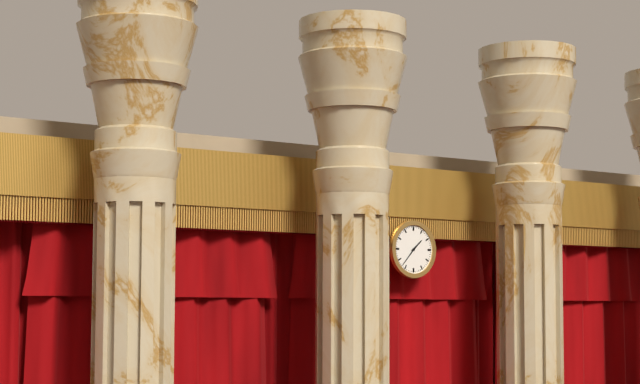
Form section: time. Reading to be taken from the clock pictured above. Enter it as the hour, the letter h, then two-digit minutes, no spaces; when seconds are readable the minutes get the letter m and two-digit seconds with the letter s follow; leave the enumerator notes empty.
1h37
